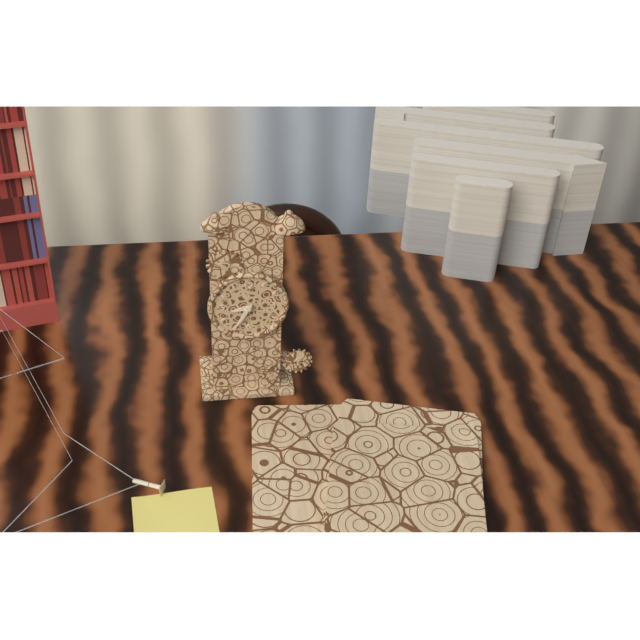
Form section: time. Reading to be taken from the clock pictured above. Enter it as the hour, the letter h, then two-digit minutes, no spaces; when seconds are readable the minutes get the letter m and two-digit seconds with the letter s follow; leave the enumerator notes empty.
8h35
